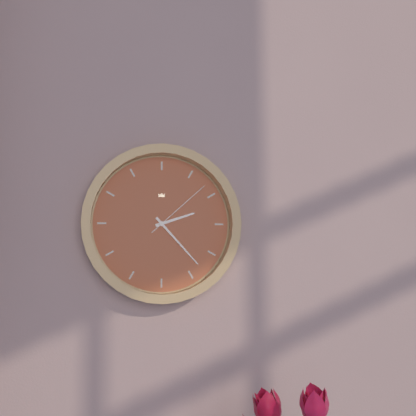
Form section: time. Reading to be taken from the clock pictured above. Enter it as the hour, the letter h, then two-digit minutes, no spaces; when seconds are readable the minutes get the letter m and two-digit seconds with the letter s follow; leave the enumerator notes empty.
2h23m08s
